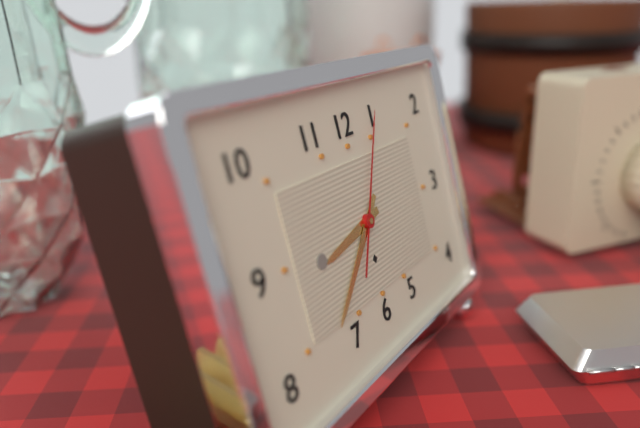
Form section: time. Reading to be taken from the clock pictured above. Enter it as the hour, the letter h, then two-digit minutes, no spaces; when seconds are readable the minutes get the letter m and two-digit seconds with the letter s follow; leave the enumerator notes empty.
8h38m05s
